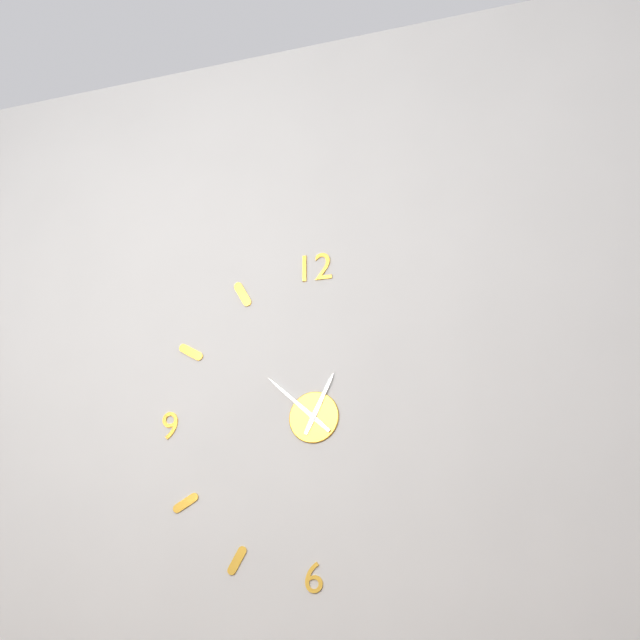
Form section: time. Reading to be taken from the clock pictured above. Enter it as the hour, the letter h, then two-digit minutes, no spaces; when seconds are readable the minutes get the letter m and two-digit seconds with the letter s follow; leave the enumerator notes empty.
12h52
